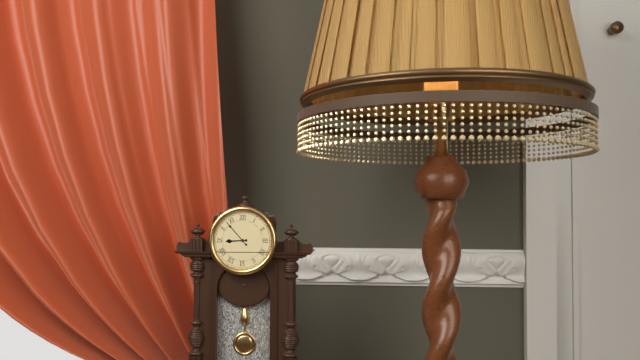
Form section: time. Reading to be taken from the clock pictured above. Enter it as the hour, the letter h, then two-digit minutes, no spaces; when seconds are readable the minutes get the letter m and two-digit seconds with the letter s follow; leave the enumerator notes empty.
8h53
